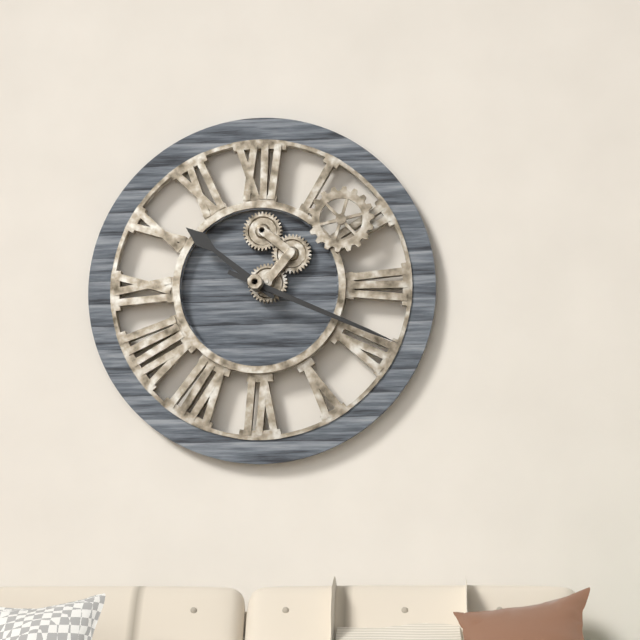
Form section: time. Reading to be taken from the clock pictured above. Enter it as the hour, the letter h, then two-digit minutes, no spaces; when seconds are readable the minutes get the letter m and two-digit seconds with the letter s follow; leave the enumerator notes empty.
10h19
